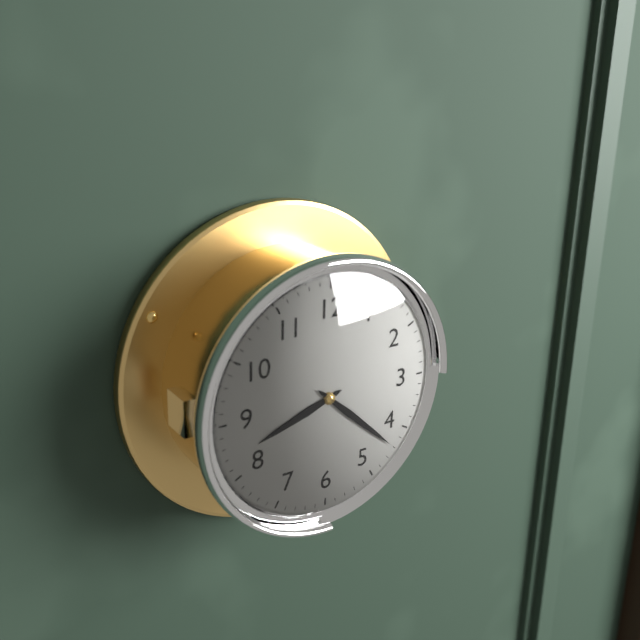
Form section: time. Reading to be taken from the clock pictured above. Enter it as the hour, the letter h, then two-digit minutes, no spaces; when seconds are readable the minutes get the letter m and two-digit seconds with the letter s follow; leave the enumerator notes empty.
8h22
